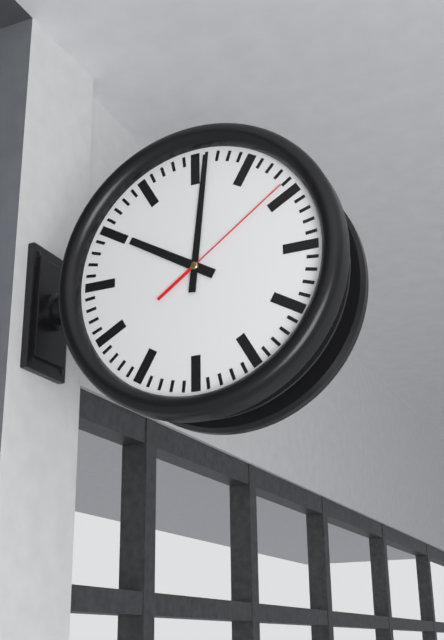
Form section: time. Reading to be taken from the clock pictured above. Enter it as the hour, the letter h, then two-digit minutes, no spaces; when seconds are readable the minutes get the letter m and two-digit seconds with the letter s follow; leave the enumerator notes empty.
10h01m09s
